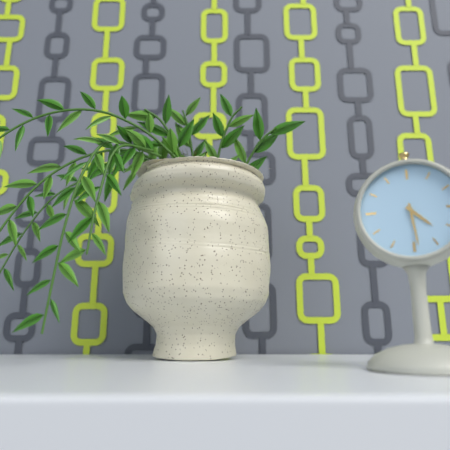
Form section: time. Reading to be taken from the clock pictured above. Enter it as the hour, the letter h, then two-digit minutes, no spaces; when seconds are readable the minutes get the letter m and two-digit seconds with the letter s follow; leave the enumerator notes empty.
4h29
